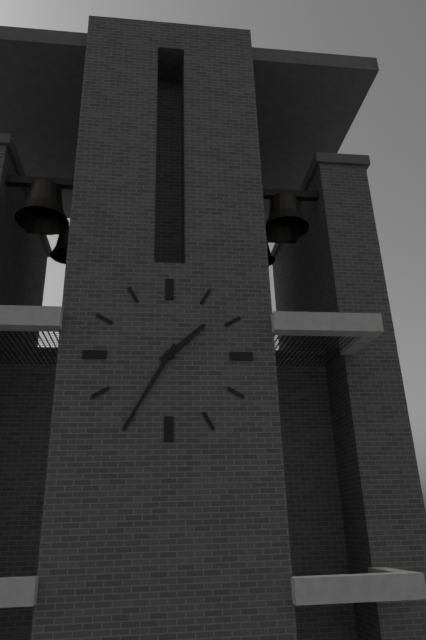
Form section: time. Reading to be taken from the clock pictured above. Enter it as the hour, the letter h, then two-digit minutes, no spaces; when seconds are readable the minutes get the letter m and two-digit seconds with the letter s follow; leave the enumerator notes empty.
1h35
